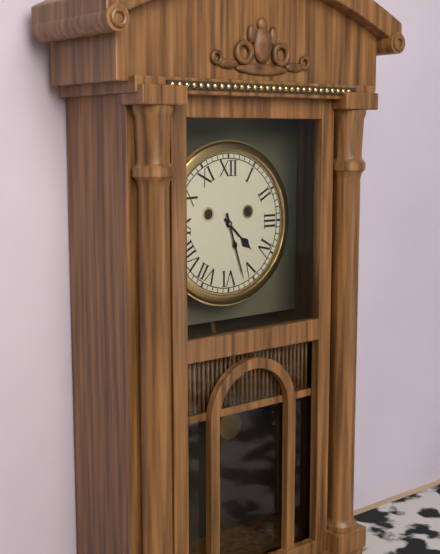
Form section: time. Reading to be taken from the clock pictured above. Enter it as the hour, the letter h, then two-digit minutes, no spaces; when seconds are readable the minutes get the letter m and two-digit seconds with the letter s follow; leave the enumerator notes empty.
4h27
